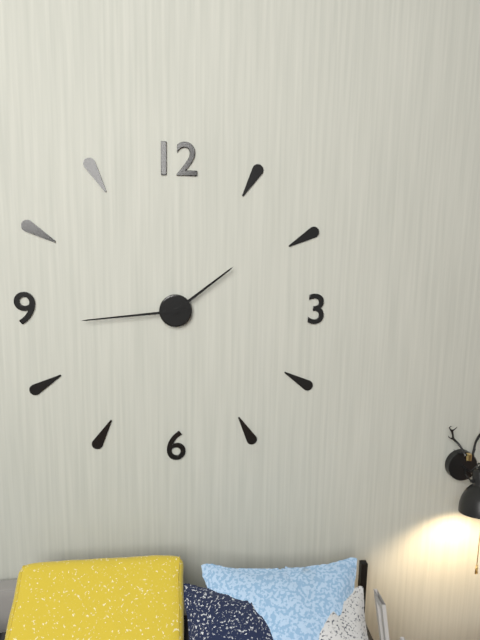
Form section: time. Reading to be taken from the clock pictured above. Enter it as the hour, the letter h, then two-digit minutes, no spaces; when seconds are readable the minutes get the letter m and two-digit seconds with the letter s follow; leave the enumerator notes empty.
1h44
